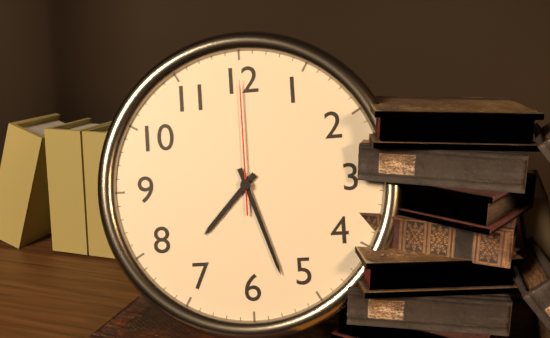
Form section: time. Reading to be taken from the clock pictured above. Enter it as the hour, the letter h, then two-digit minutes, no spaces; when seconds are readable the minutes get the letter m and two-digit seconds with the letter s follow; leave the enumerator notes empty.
7h27m00s
